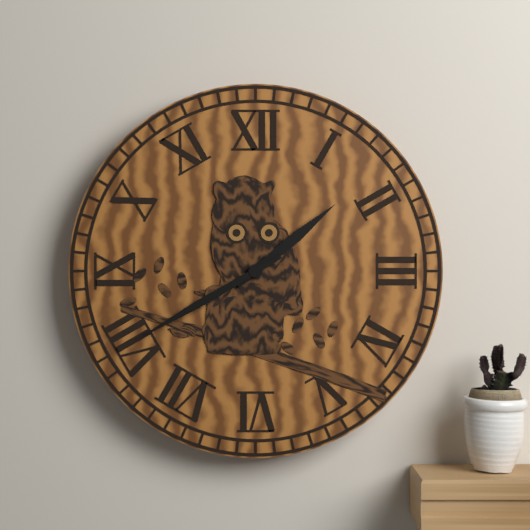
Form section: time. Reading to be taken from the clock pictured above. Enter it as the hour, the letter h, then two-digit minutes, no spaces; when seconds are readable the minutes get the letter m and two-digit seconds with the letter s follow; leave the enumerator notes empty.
1h40
